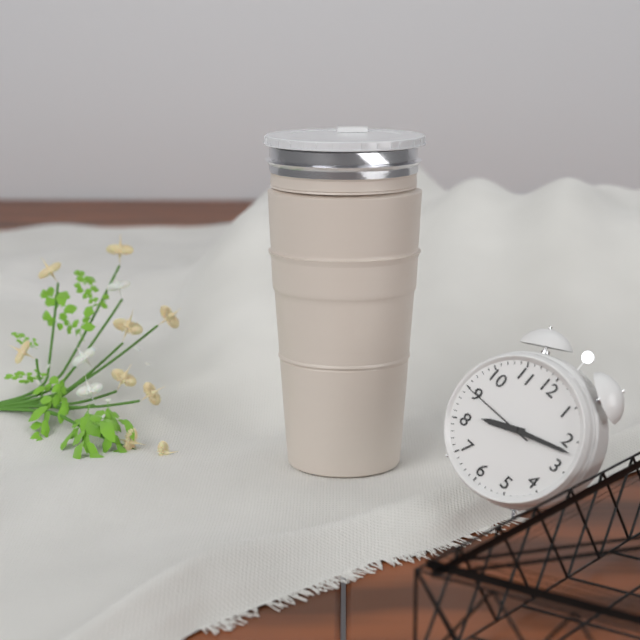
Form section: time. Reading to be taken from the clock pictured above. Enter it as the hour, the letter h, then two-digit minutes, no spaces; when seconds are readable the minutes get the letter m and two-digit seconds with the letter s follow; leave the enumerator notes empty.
8h12m45s
